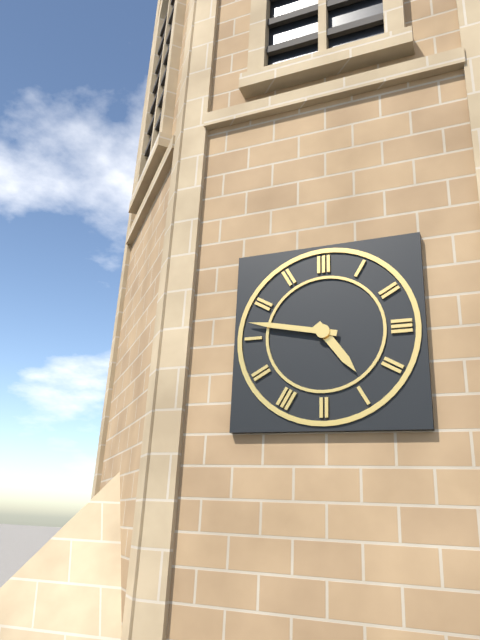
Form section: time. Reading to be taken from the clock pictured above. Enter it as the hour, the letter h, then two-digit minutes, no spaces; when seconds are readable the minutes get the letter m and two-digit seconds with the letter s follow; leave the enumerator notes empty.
4h47
